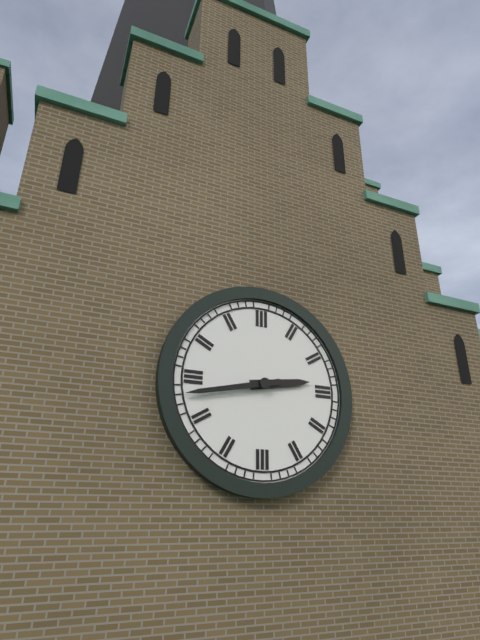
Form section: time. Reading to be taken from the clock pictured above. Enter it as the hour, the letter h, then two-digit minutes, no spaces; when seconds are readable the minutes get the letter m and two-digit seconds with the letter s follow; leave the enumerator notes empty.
2h43
